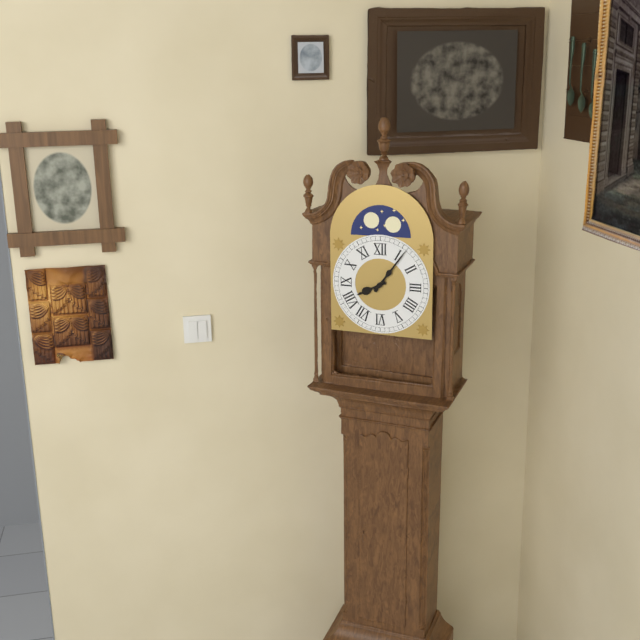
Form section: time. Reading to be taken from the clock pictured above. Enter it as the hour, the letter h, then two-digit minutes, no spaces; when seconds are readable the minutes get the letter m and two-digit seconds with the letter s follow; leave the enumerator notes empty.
8h06
